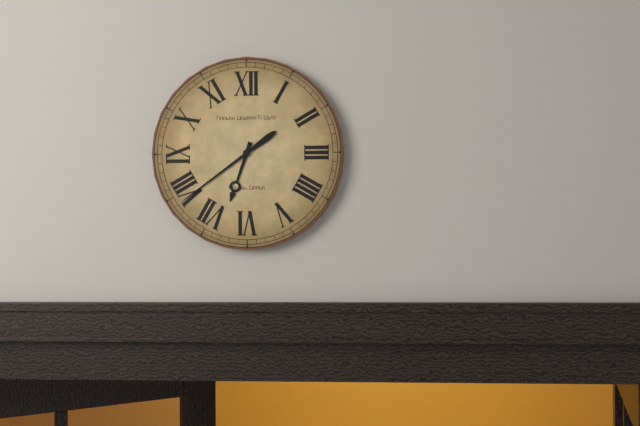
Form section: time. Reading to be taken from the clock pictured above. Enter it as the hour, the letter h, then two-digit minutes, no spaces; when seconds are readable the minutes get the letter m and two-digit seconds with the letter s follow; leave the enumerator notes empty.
6h39
